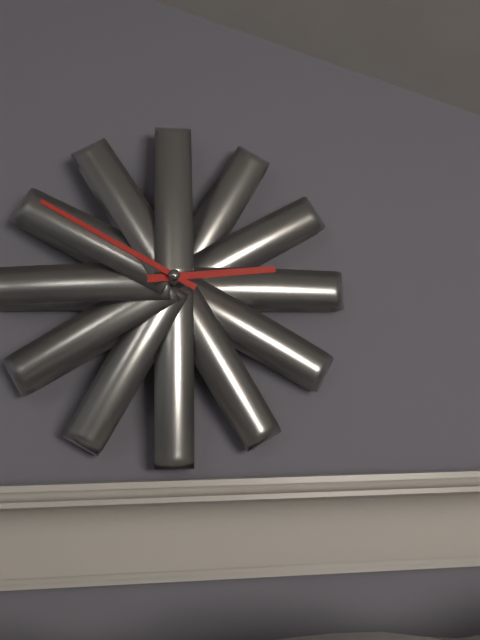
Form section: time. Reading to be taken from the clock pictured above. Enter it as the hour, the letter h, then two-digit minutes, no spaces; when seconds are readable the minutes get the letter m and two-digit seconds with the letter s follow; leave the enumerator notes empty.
2h50
